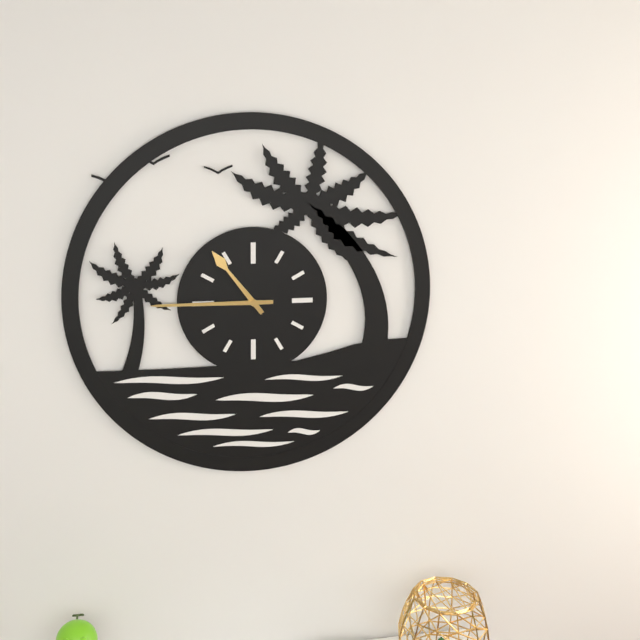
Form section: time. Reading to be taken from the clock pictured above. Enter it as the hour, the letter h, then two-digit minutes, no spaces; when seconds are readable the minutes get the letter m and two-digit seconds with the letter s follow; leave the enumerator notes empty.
10h45
